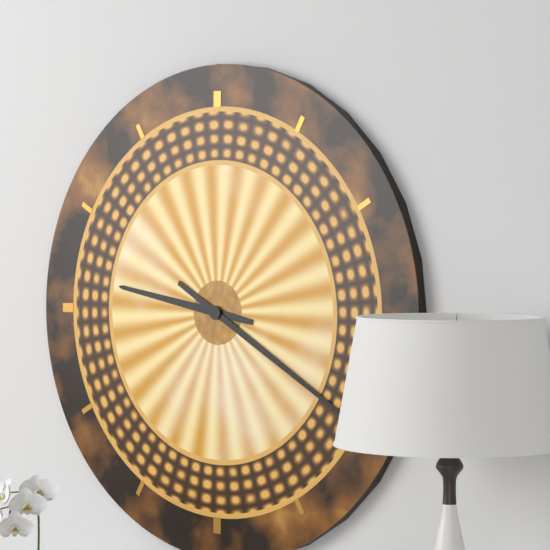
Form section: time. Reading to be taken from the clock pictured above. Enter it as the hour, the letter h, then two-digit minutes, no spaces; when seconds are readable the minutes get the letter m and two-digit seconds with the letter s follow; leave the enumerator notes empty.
9h20
